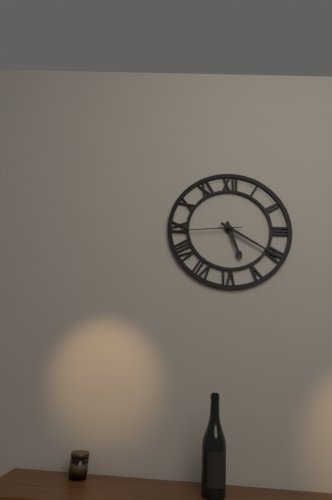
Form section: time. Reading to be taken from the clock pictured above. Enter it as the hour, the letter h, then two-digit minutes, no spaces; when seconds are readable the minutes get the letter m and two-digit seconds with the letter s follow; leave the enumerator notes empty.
5h20m44s
